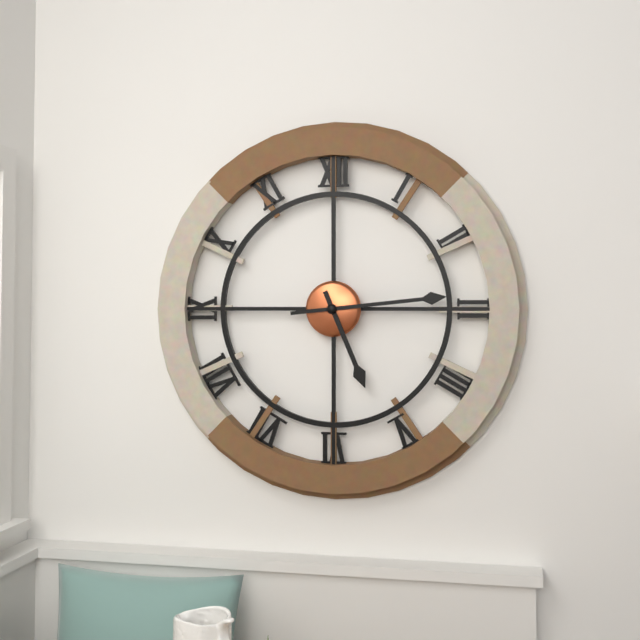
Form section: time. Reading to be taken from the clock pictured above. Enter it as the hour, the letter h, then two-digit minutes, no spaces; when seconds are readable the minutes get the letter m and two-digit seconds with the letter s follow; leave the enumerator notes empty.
5h14
